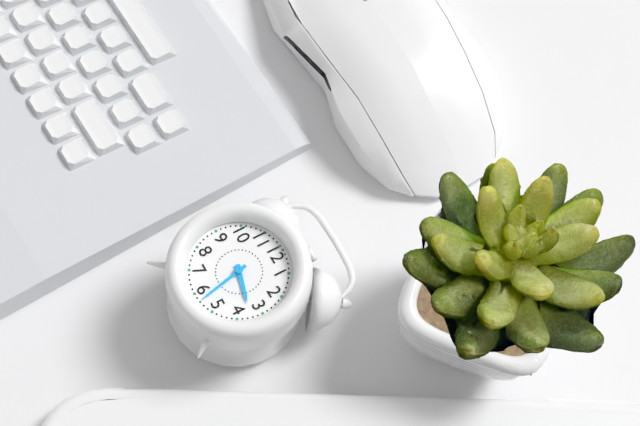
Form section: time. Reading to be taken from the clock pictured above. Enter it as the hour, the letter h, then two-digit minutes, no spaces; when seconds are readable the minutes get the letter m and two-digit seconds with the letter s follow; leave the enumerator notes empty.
3h28
